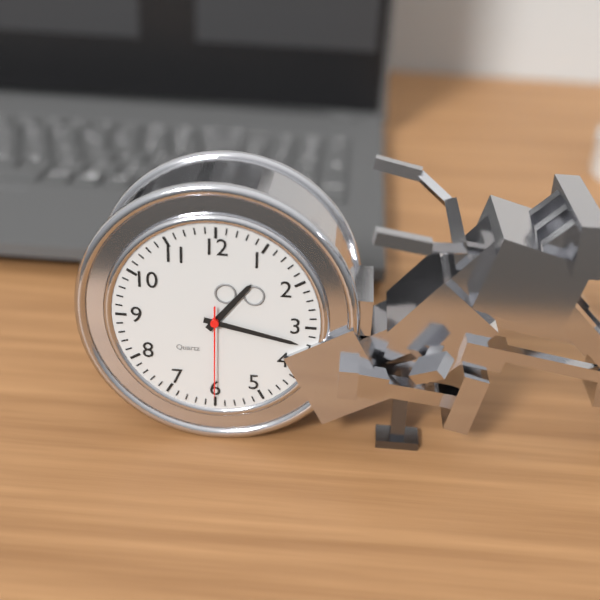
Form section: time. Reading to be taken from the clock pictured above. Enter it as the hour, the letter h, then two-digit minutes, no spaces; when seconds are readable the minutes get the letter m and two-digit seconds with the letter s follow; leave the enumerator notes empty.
1h17m30s
